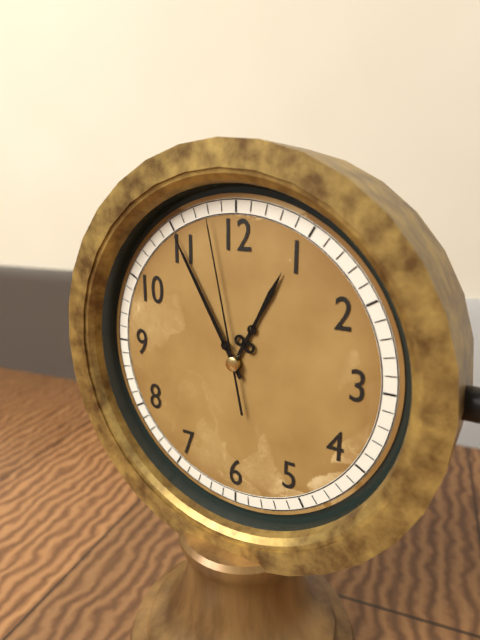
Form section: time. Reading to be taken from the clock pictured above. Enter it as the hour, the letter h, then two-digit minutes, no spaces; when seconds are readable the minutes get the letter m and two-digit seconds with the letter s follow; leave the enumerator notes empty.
12h55m58s
